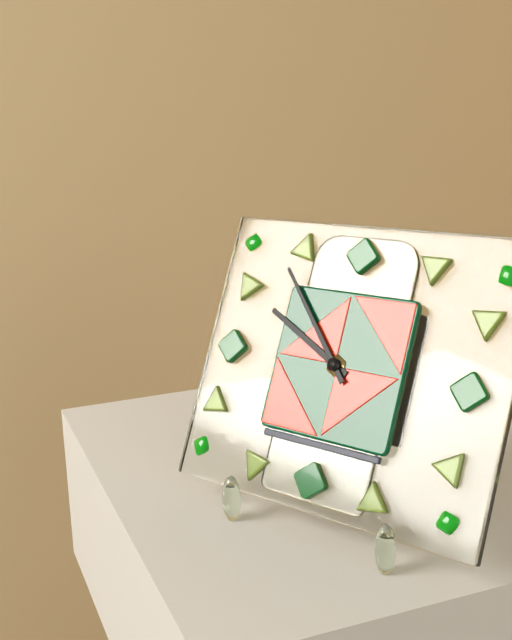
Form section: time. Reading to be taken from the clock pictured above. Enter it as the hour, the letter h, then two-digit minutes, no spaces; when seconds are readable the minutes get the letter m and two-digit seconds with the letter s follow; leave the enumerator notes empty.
9h53
